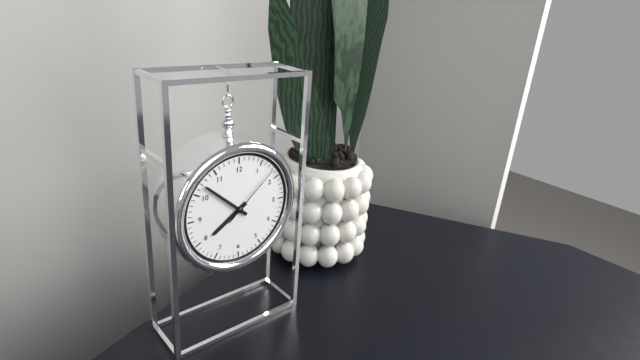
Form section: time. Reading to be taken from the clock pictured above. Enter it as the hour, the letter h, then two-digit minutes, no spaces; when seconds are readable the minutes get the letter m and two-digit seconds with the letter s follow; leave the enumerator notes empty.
7h52m08s
